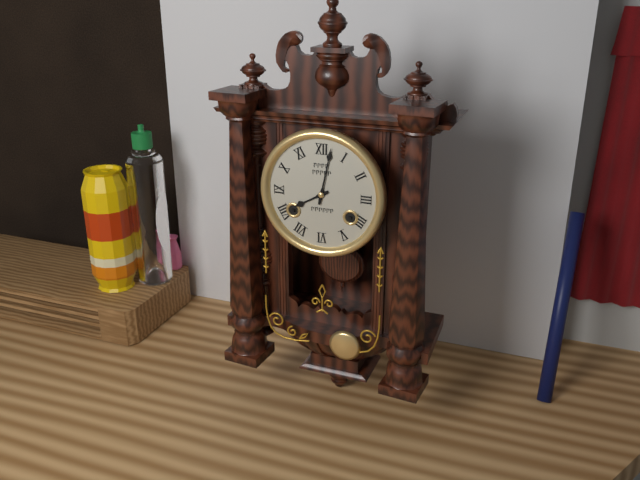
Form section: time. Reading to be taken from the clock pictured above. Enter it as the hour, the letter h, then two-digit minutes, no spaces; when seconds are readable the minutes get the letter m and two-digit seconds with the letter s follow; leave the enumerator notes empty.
8h02
